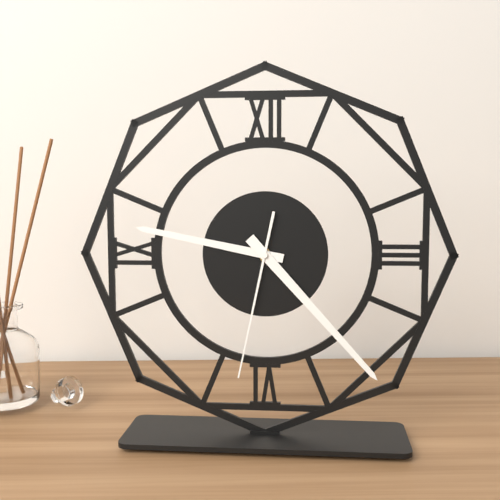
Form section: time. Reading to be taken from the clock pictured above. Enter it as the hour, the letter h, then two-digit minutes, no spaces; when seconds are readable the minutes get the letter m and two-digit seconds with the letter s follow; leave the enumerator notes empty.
9h23m32s
